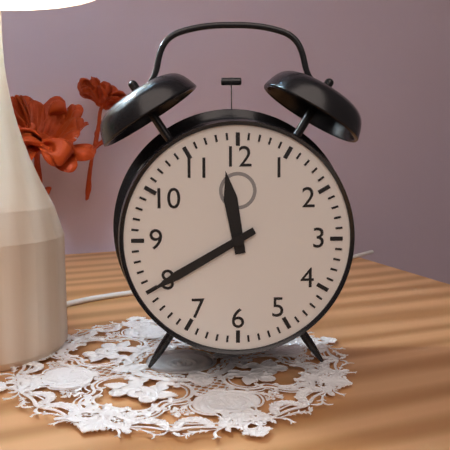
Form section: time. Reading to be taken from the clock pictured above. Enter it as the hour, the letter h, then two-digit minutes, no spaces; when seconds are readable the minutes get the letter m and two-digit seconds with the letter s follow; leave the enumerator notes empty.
11h40
